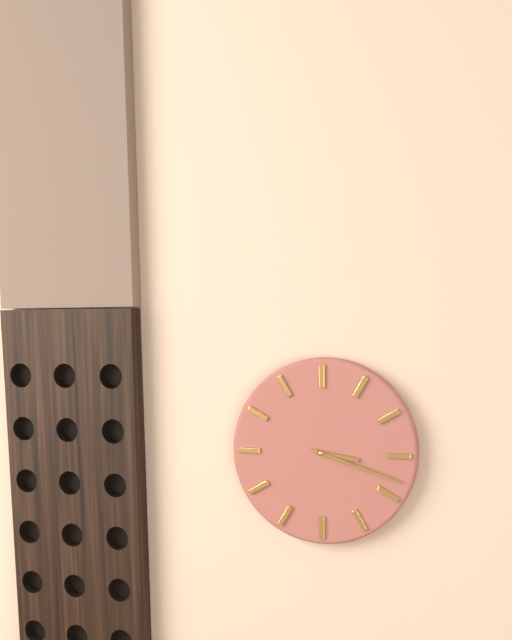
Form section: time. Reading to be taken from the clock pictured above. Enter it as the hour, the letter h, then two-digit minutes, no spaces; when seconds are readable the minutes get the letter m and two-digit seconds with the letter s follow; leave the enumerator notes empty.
3h18
